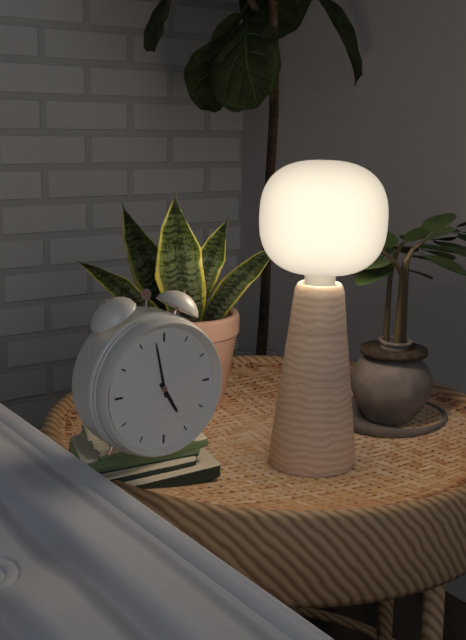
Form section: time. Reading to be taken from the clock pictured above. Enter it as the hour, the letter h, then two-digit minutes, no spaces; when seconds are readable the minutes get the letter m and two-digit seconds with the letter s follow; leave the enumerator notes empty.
4h58
